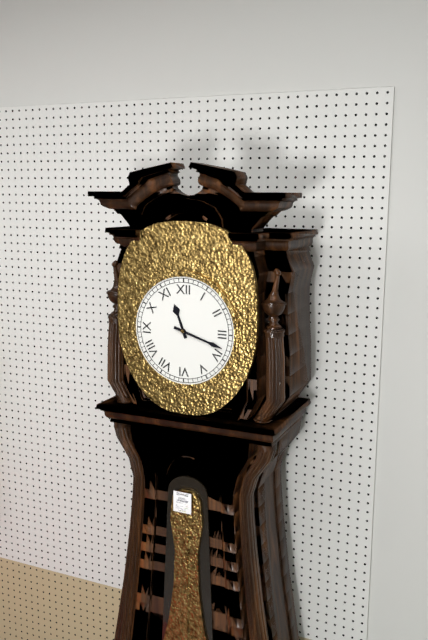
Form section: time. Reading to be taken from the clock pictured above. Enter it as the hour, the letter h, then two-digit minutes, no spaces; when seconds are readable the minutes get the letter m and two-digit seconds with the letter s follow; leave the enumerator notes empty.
11h18
